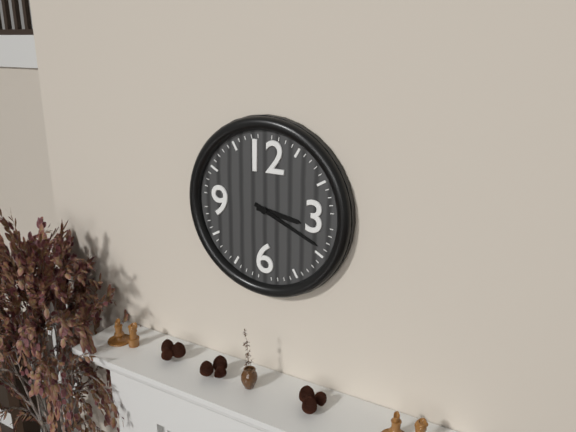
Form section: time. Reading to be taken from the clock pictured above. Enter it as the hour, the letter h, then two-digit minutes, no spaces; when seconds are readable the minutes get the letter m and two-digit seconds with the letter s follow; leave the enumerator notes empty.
3h19
